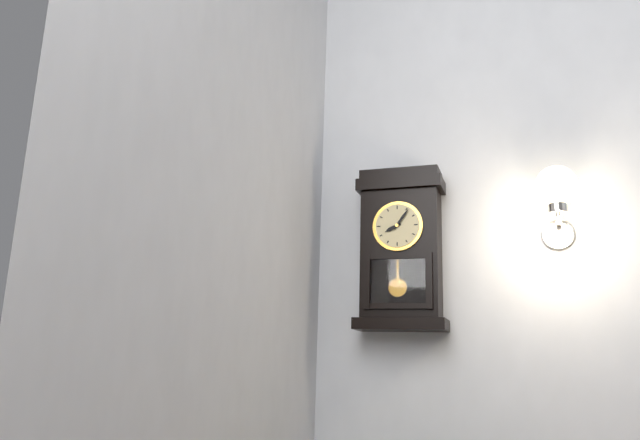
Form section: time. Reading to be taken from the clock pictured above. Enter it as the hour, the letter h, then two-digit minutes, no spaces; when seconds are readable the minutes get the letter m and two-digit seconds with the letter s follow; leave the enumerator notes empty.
8h06
